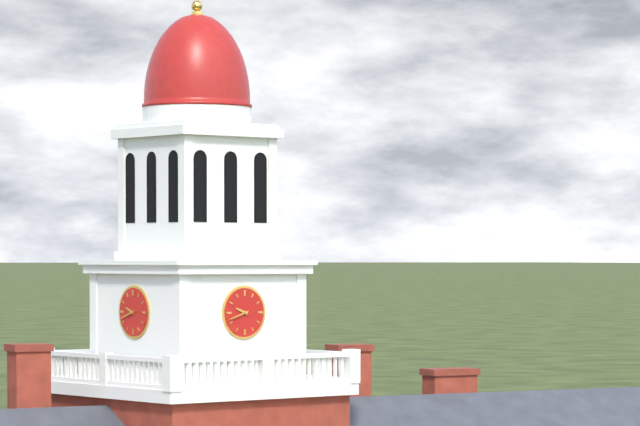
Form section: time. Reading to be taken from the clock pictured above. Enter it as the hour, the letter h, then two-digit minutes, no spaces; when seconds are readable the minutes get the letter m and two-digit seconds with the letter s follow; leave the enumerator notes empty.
9h42
